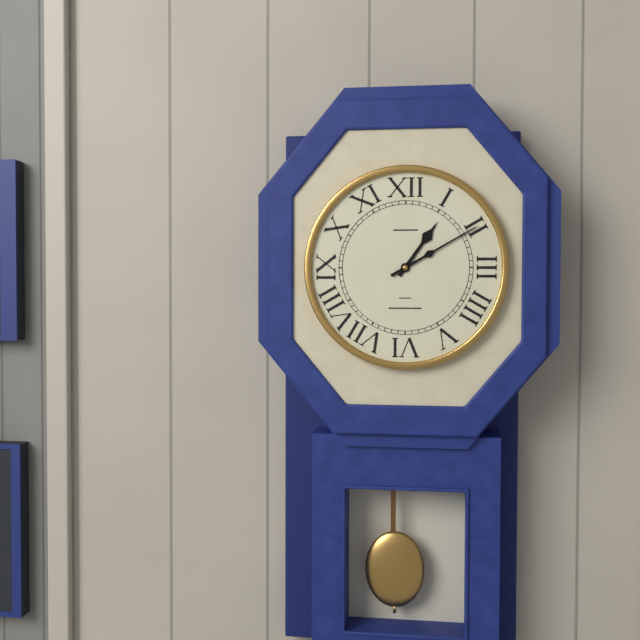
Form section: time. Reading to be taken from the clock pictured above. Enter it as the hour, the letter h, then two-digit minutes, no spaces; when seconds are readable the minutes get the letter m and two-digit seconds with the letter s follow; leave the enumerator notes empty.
1h10
